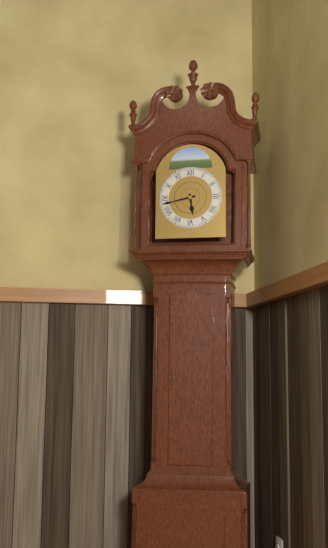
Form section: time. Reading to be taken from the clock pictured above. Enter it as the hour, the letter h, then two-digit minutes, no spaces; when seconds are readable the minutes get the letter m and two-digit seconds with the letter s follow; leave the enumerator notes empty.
5h43
